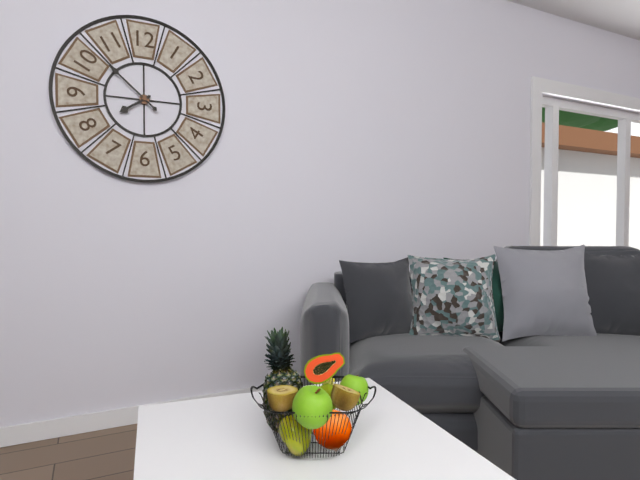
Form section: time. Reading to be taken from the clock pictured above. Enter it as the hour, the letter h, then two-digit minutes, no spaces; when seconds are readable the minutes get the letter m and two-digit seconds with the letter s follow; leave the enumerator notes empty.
7h52
